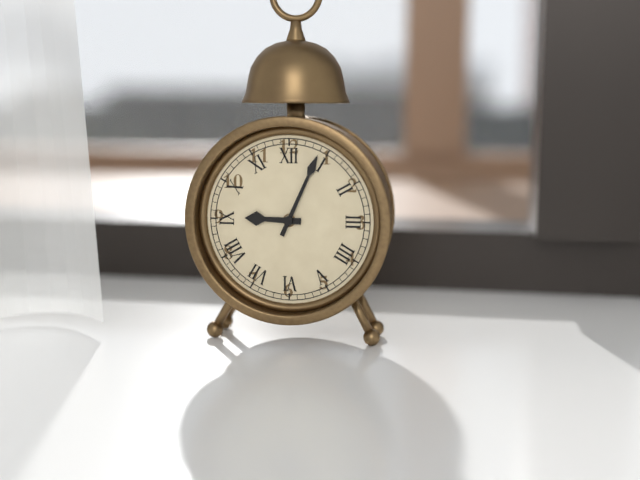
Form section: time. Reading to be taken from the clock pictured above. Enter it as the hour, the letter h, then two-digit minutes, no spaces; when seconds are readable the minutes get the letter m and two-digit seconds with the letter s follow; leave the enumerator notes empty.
9h04
